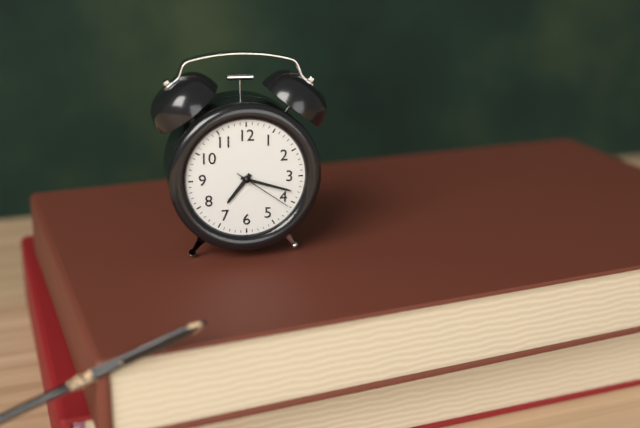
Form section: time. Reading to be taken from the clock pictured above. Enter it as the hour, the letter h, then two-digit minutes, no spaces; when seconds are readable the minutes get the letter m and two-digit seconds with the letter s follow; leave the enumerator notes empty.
7h18m21s
